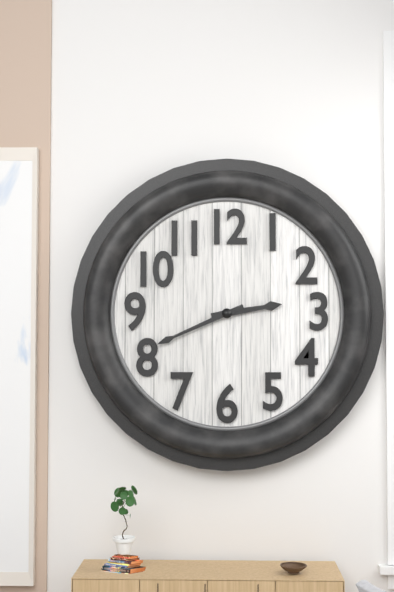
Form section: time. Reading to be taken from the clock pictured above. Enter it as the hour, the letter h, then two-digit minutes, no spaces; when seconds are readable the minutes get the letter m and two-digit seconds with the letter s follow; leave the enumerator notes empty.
2h41
